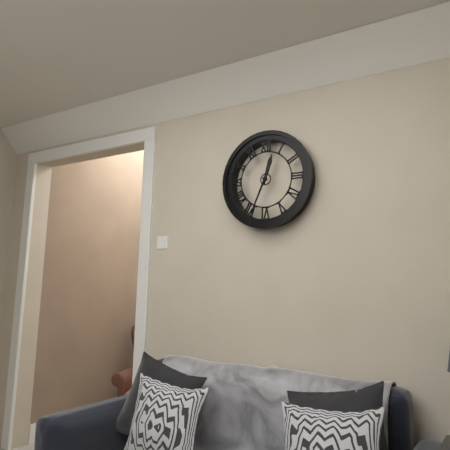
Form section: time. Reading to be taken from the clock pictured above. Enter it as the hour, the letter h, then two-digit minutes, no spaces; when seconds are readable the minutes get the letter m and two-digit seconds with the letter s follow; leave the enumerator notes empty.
12h34
